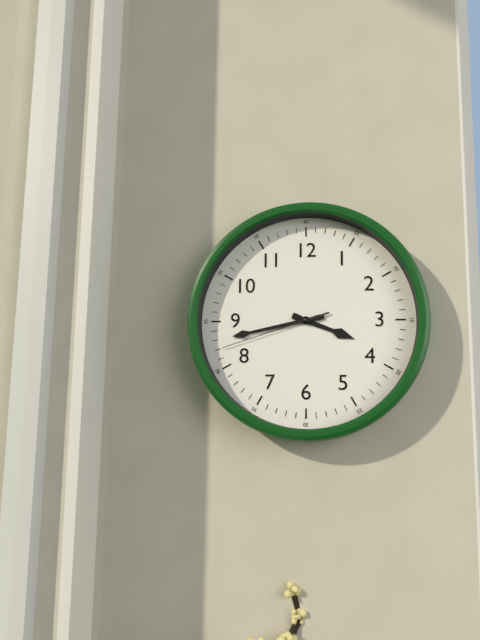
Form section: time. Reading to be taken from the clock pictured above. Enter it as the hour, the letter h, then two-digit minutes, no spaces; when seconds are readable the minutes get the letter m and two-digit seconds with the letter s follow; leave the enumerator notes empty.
3h43m42s
